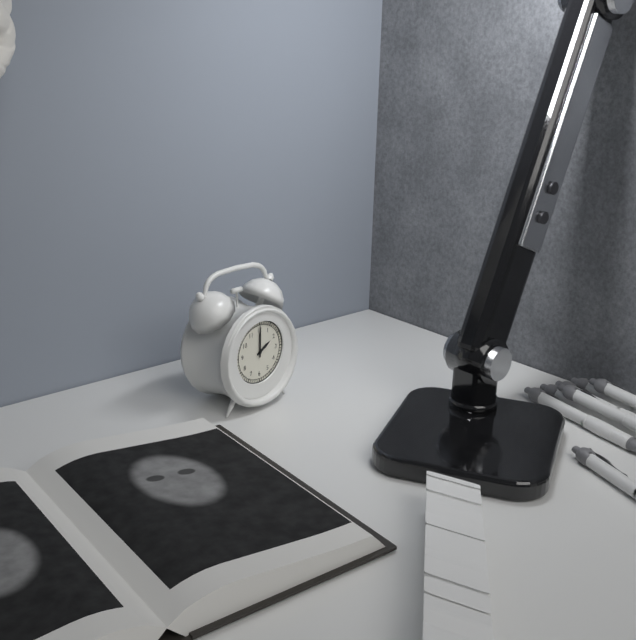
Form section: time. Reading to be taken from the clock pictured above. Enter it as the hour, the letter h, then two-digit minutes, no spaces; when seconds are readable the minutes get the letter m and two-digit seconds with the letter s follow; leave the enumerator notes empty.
2h00
